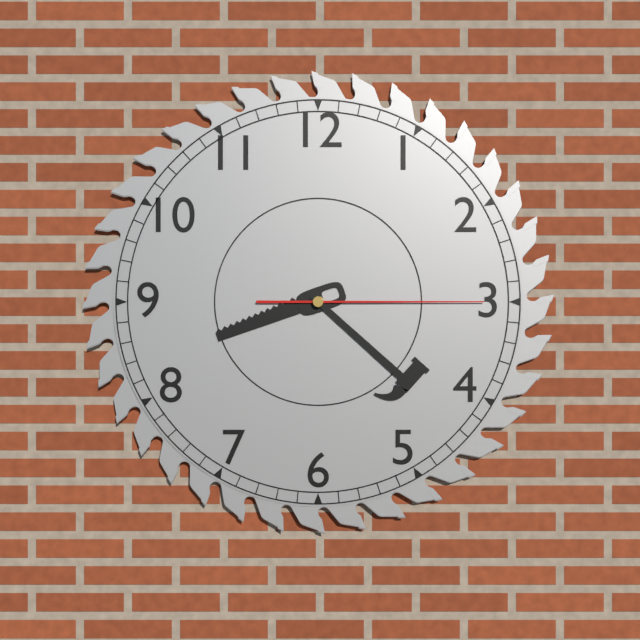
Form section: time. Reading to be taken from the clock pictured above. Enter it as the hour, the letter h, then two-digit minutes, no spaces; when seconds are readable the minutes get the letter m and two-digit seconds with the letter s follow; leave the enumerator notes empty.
8h22m15s
